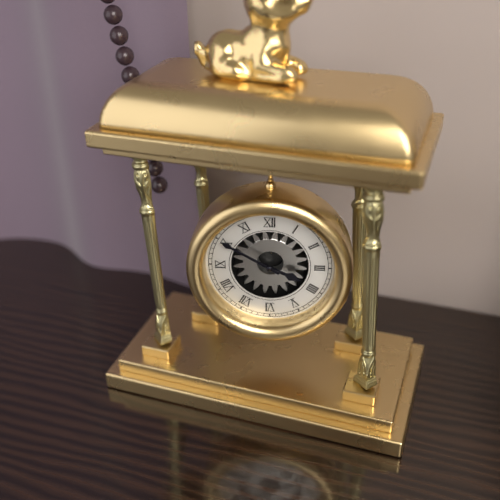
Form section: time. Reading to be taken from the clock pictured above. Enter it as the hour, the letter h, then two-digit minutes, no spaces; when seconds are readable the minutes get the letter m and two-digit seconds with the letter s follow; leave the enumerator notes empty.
3h50
